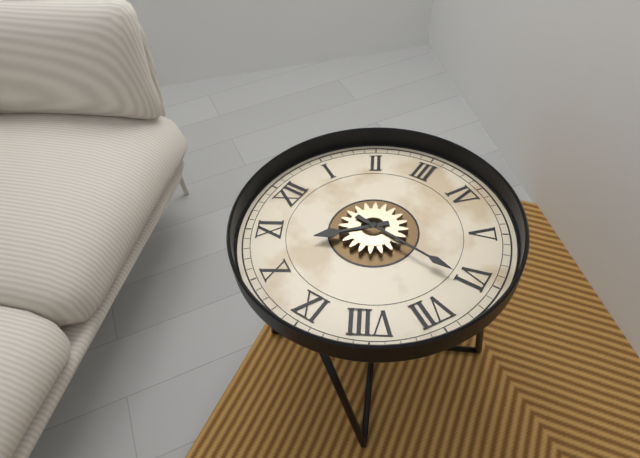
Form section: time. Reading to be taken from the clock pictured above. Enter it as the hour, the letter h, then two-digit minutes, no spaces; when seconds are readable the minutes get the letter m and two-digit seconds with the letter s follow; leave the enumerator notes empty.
10h31
